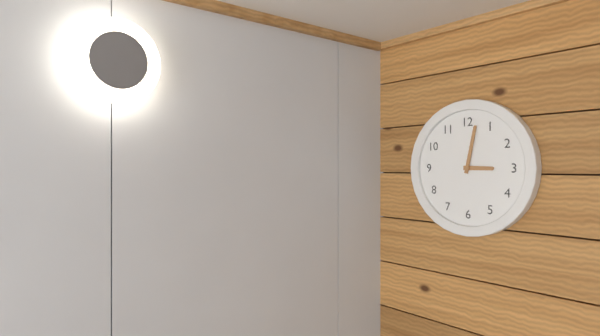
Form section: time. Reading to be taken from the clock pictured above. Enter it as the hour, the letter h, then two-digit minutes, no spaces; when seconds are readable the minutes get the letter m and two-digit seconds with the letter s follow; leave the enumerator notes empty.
3h02
